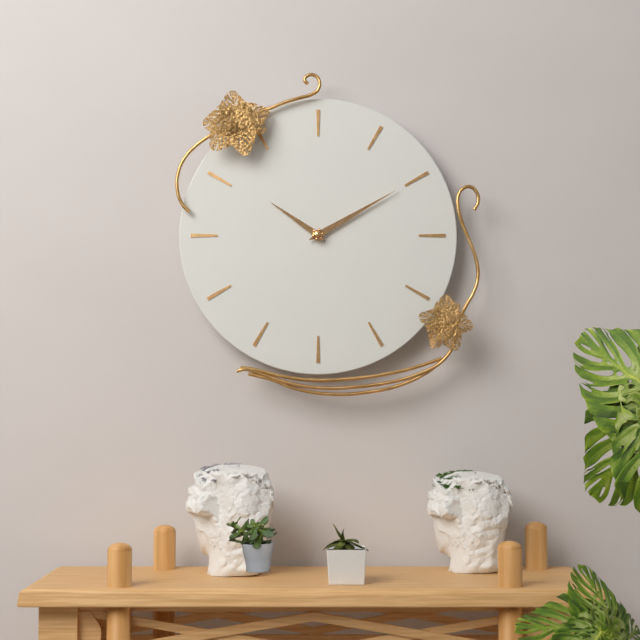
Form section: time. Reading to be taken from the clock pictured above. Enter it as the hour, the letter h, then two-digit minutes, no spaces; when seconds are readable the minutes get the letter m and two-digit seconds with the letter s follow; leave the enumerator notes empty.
10h10
